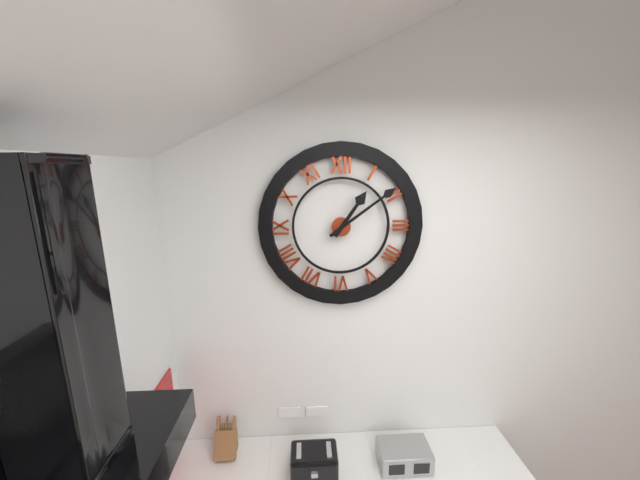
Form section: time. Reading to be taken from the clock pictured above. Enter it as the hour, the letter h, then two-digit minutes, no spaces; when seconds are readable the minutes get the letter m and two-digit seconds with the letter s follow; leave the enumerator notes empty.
1h09
